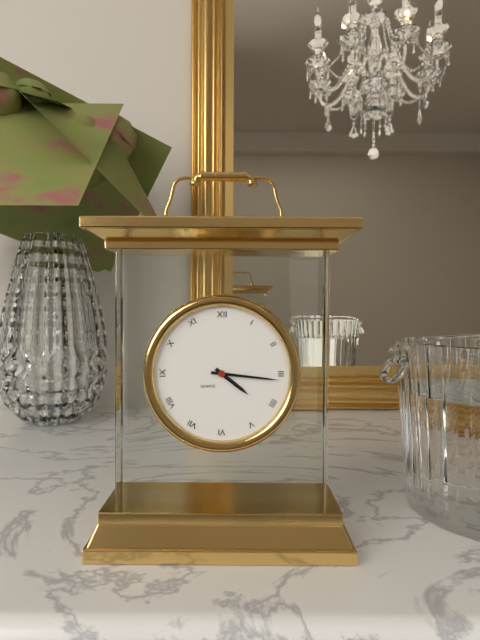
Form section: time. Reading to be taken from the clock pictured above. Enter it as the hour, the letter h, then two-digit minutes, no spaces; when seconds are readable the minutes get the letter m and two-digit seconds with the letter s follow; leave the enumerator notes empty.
4h16
